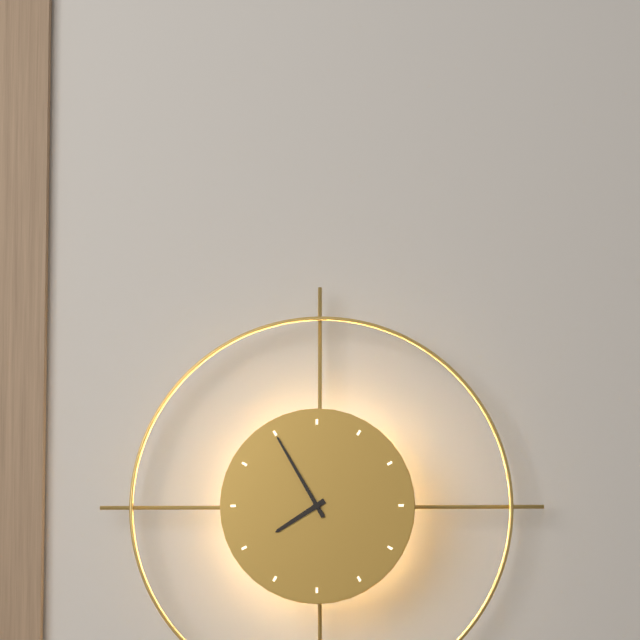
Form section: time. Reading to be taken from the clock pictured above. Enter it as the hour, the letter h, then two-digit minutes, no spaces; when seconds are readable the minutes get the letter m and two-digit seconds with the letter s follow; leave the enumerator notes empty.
7h55
